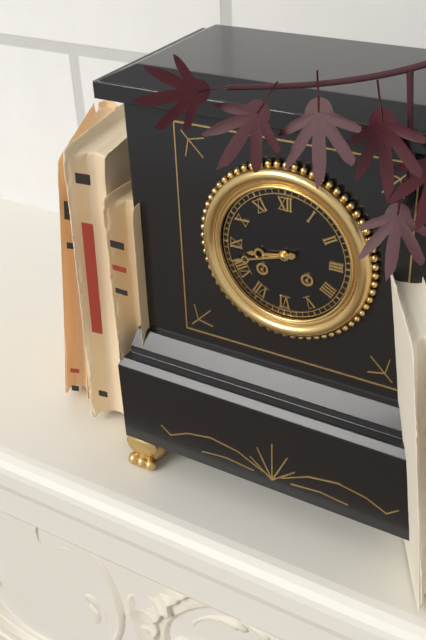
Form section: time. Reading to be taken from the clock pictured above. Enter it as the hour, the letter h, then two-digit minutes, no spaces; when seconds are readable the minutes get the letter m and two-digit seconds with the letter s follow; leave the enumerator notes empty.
8h42
